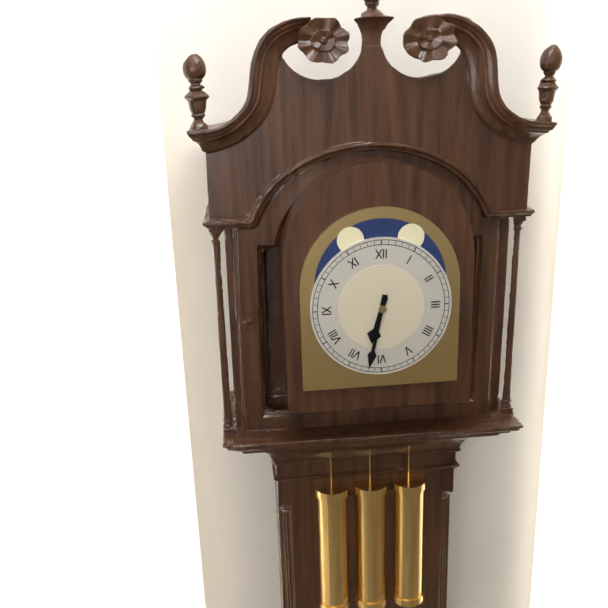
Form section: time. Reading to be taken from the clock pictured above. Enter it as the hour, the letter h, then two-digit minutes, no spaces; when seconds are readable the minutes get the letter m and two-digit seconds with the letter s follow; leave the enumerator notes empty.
6h32
